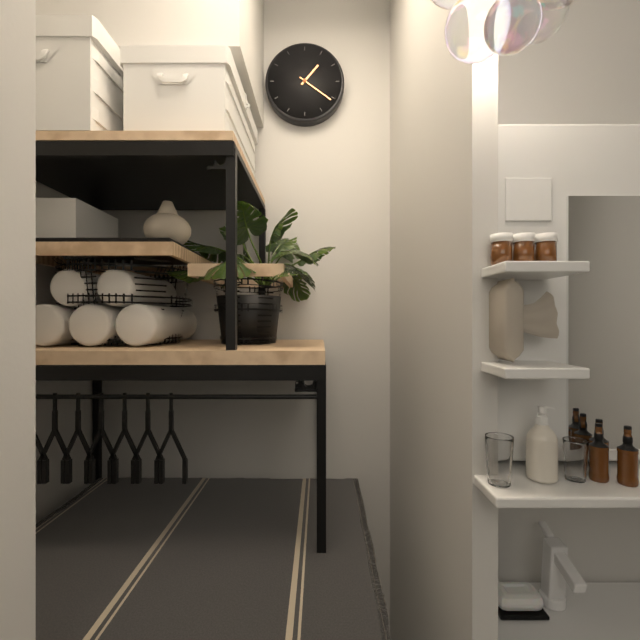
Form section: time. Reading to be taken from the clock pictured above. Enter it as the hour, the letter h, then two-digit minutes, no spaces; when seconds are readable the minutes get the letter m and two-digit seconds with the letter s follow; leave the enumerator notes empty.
1h21
